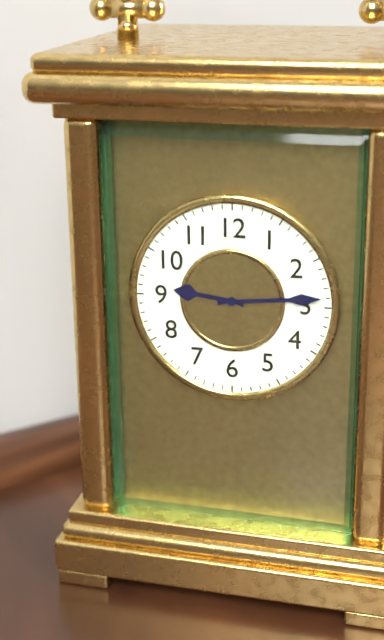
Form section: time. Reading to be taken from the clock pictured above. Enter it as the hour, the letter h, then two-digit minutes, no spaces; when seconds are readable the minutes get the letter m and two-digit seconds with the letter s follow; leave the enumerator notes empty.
9h14
